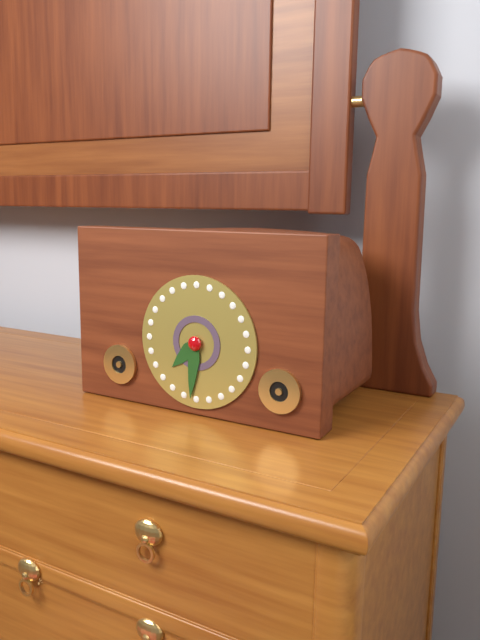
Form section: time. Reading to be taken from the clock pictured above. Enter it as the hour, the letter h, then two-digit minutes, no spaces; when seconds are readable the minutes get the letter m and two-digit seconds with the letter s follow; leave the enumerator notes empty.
7h31
